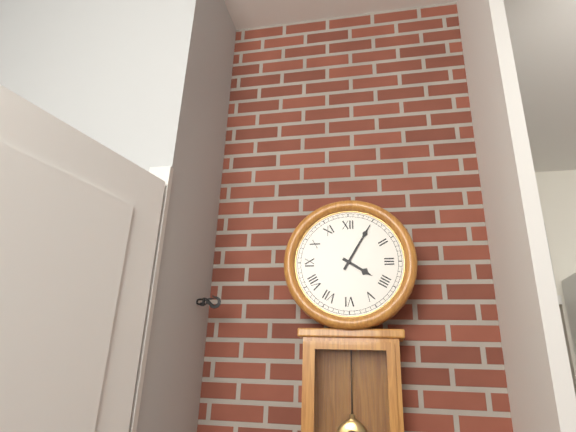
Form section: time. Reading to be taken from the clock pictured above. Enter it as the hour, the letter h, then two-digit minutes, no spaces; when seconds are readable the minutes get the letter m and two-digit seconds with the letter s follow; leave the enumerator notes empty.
4h05
